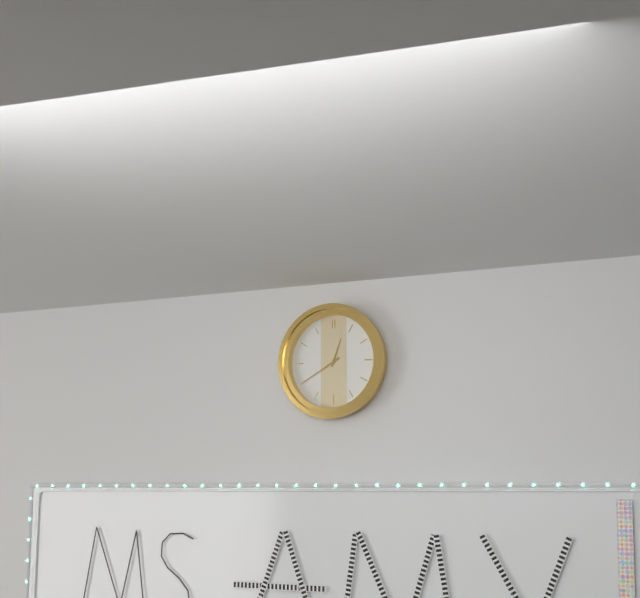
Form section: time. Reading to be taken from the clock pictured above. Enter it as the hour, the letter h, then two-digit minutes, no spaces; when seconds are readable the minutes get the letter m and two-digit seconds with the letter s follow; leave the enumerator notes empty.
12h40
